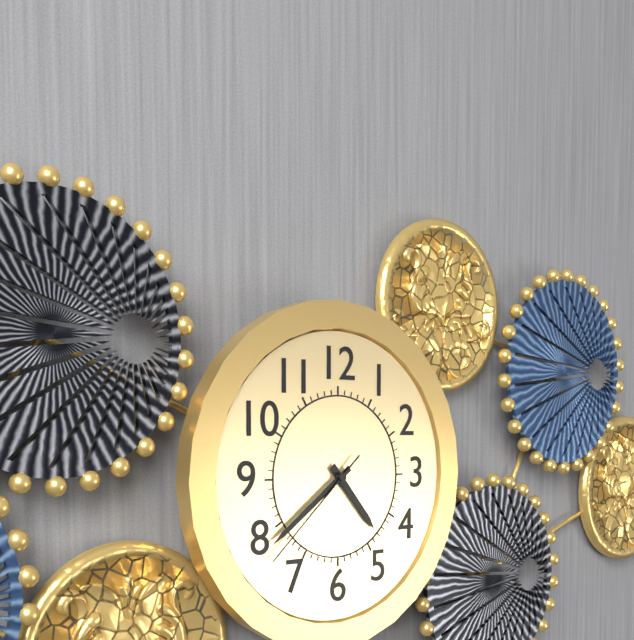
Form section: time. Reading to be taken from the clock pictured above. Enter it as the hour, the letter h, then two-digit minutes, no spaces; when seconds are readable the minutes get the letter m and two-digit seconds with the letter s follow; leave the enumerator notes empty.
4h39m38s
